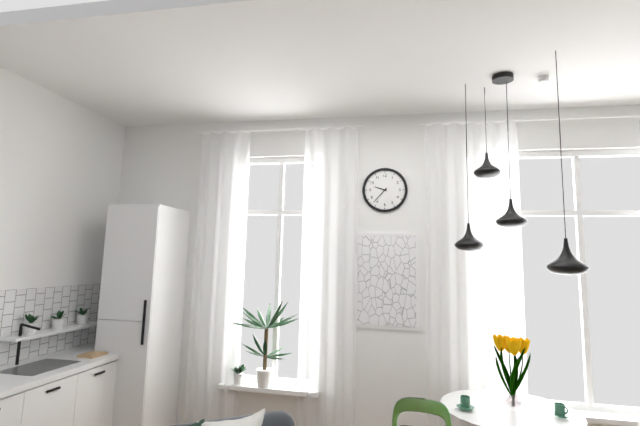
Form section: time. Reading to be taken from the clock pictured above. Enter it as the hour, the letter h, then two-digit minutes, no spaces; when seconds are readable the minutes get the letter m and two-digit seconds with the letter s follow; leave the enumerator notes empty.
9h37
